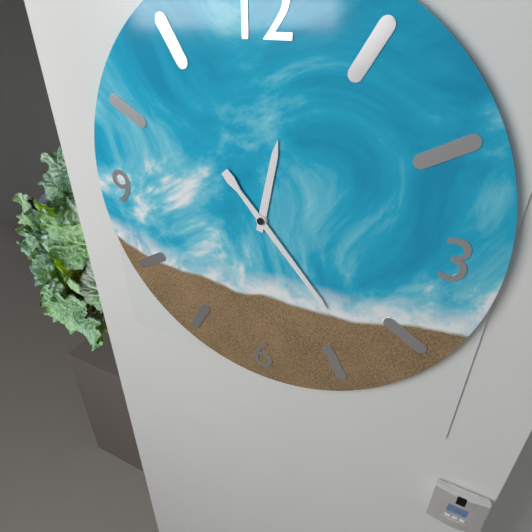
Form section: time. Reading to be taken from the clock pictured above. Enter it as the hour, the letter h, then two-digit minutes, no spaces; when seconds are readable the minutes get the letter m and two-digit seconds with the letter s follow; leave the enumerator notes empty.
12h23
